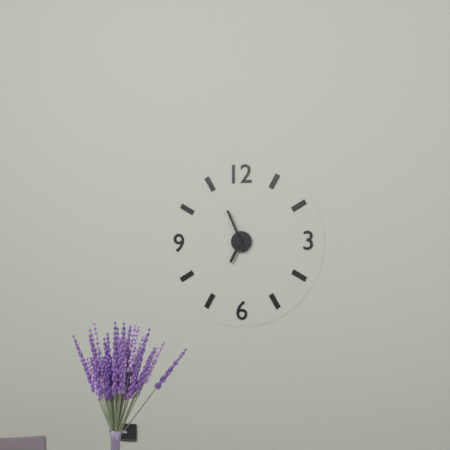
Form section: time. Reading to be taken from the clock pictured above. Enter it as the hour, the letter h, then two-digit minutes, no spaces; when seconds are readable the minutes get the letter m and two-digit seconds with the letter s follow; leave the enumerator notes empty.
6h56
